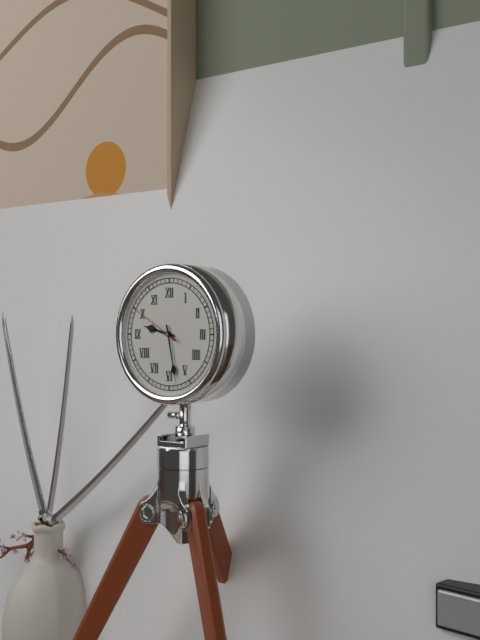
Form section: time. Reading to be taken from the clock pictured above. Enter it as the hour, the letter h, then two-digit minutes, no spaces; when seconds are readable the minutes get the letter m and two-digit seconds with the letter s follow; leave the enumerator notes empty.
9h28m50s
